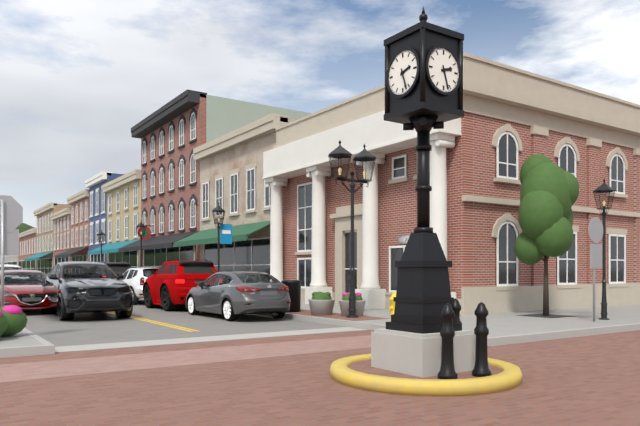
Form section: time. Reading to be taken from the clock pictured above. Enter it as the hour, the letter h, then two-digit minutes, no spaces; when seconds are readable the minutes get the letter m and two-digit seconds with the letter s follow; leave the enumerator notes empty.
2h27
